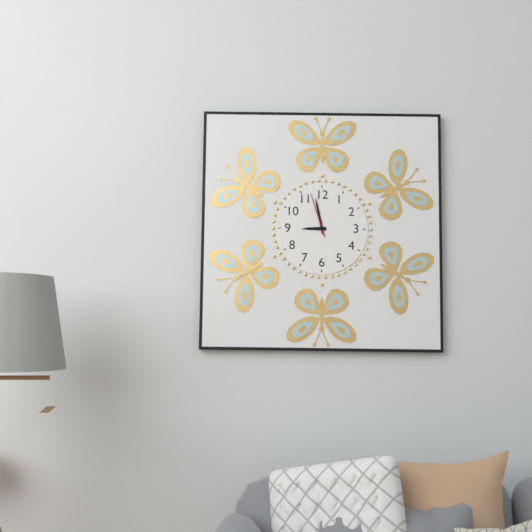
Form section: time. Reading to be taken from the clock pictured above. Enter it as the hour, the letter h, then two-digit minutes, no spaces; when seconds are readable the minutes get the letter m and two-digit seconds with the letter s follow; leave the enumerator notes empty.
8h58
